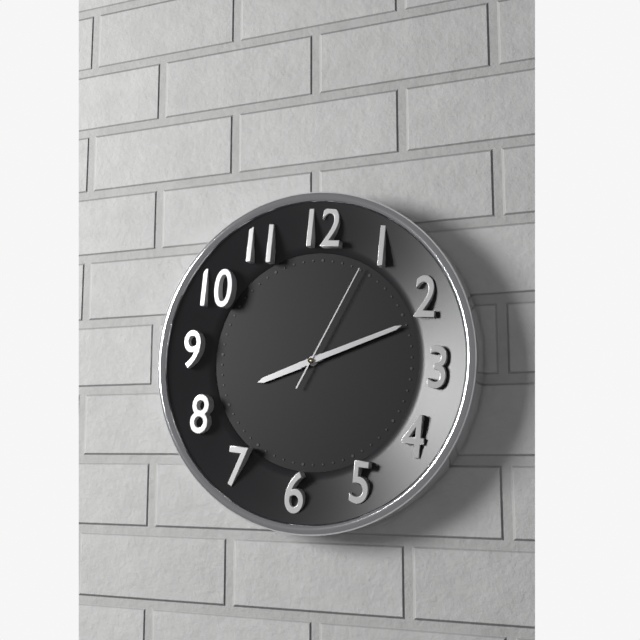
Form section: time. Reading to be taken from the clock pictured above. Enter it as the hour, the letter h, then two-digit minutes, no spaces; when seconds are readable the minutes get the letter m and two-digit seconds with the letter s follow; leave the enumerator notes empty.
8h11m04s
